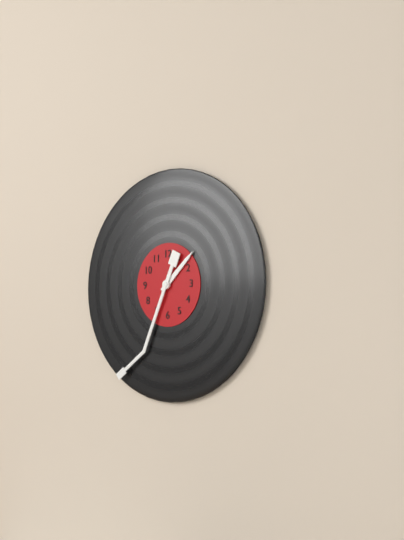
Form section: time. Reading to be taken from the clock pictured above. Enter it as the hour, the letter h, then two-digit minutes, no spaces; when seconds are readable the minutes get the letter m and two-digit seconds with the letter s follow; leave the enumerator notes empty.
1h34
